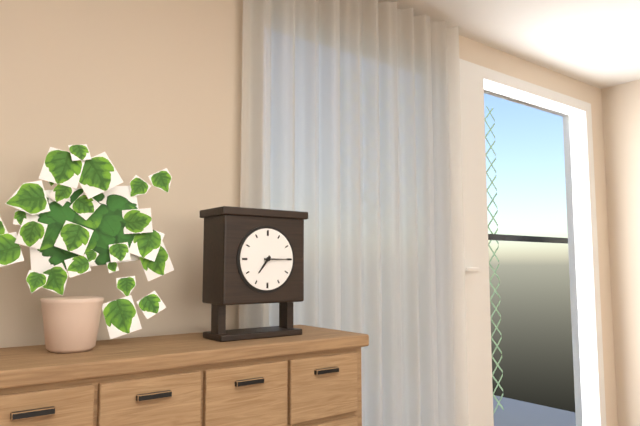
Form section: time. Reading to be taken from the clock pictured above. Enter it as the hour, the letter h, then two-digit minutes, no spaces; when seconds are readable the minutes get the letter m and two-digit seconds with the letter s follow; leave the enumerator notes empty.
7h15
